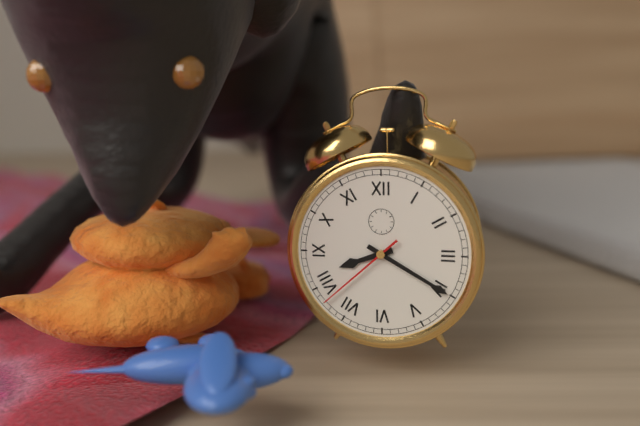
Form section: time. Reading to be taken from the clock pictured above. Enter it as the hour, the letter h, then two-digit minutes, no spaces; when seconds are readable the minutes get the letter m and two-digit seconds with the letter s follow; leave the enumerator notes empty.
8h20m38s
